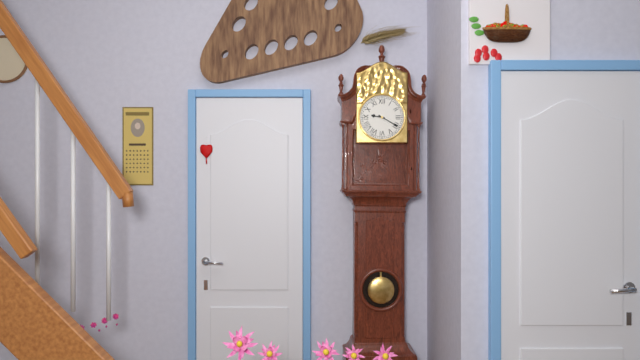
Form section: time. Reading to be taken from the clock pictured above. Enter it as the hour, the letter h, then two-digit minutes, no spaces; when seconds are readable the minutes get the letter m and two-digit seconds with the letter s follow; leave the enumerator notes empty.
9h20
